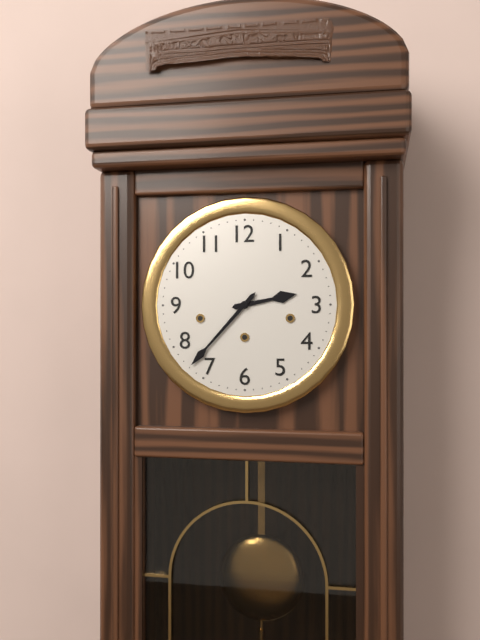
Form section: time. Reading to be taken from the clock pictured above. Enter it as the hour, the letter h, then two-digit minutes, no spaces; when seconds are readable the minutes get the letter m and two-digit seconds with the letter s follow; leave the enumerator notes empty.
2h37
